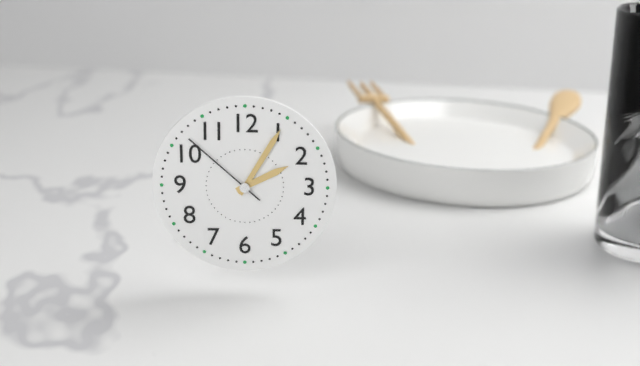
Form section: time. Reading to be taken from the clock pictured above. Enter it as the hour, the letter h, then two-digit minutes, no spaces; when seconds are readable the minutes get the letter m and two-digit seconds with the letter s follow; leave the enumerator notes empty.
2h05m52s
